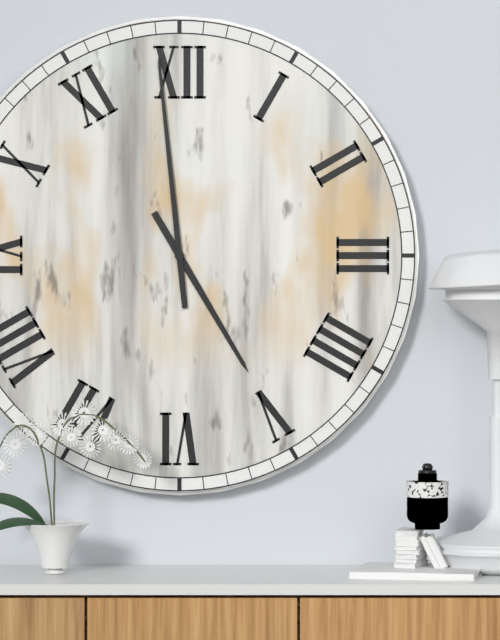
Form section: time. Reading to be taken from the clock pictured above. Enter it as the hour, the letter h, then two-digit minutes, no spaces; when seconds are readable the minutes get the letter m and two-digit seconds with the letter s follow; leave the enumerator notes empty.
4h59
